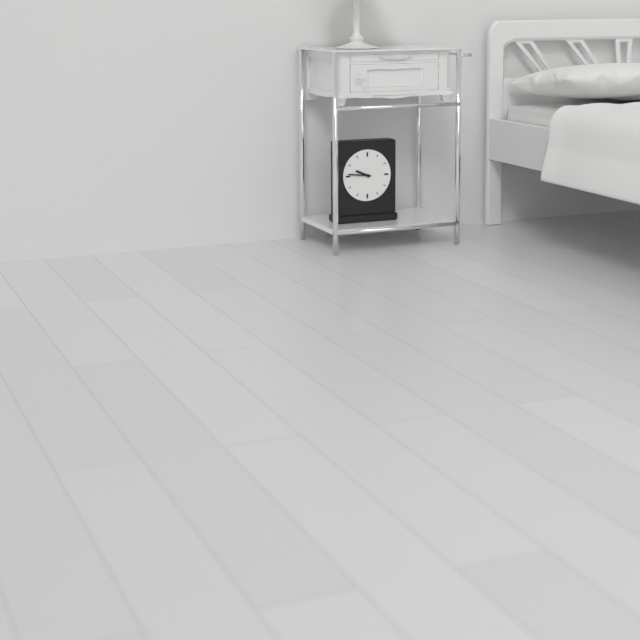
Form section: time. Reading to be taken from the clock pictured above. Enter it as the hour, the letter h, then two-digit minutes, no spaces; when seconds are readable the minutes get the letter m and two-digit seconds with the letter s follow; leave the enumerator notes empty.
9h46
